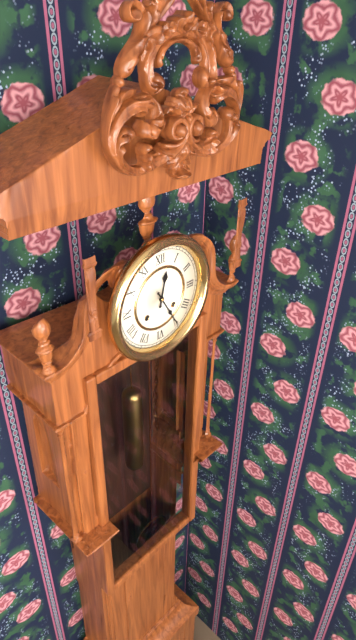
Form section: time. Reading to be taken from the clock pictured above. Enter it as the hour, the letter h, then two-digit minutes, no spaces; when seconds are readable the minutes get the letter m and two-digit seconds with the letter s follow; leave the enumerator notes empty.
12h25
